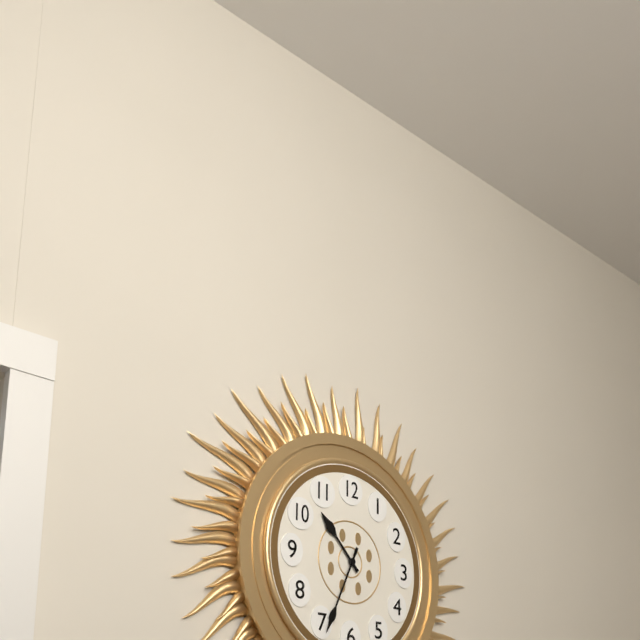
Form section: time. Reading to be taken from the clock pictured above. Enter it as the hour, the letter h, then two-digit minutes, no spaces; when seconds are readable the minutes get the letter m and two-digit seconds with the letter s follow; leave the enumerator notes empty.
10h34
